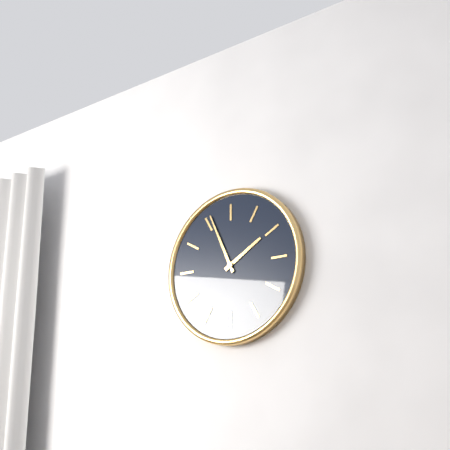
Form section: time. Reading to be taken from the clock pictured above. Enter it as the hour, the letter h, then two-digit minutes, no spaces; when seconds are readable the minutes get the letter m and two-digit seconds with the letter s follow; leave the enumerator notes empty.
1h56
